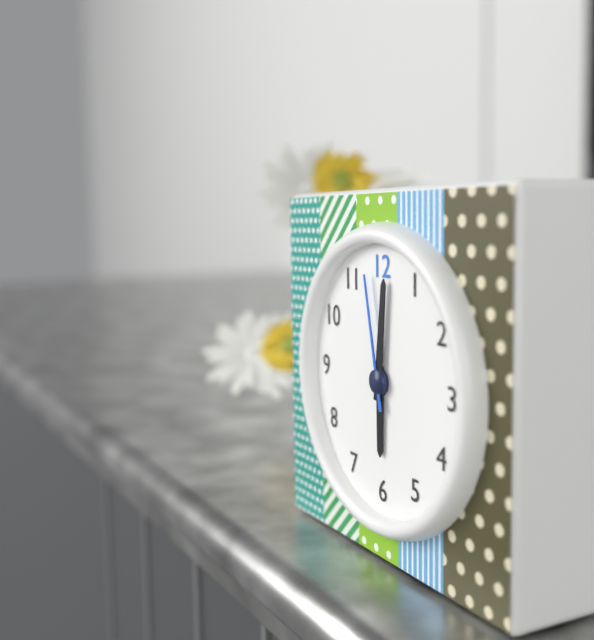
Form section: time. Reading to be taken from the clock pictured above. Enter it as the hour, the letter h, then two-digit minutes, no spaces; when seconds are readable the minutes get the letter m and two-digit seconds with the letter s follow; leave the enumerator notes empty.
6h01m58s
